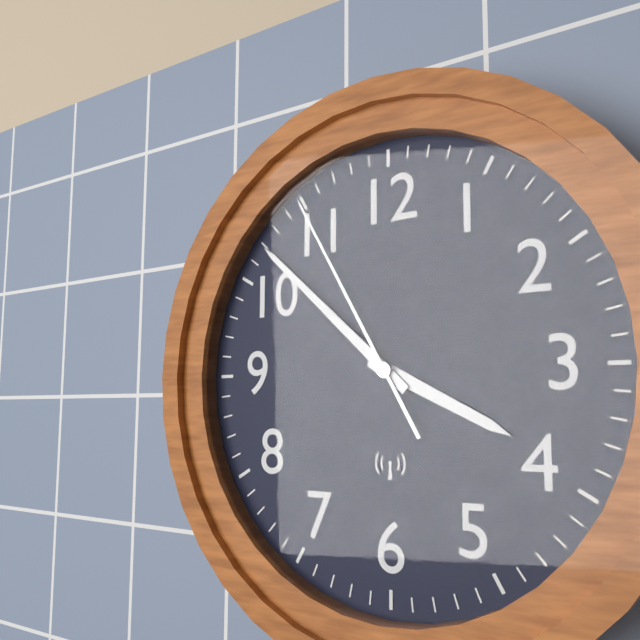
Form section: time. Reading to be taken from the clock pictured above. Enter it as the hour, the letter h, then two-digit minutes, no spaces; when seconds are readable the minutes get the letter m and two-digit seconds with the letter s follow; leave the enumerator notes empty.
3h52m55s
